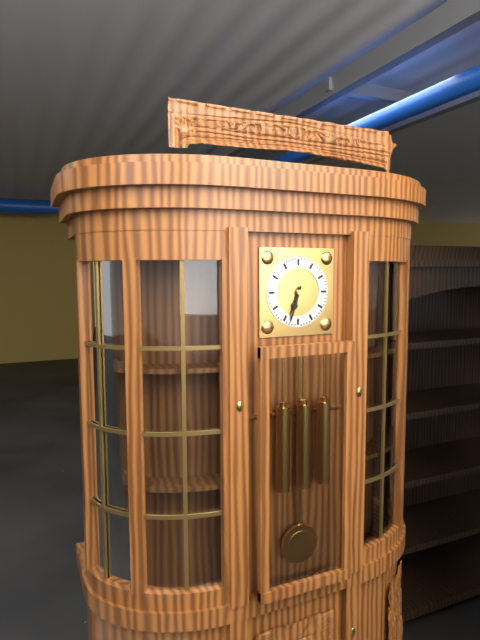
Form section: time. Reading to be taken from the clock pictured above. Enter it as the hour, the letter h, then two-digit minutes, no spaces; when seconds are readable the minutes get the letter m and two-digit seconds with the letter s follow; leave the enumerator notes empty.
6h33
